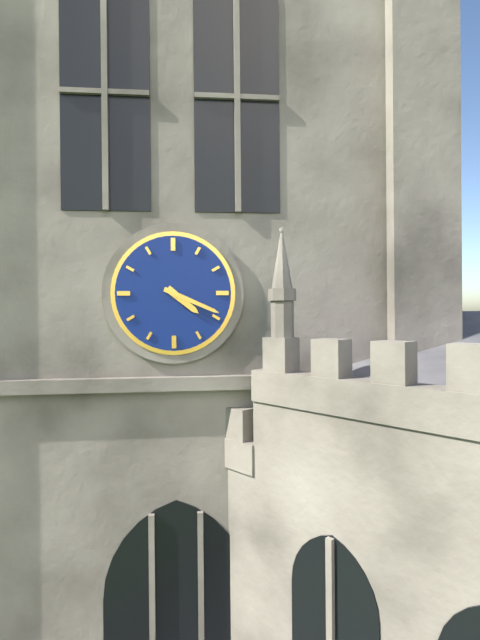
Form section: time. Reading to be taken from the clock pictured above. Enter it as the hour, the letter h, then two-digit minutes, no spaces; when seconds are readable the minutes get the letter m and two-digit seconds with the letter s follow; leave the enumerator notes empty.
4h19
